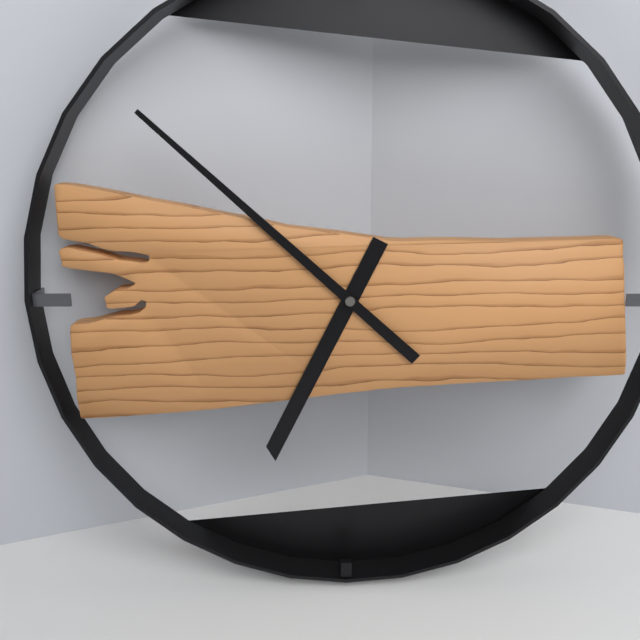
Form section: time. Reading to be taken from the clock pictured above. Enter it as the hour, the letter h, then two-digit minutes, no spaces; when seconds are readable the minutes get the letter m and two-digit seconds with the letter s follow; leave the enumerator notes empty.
6h52
